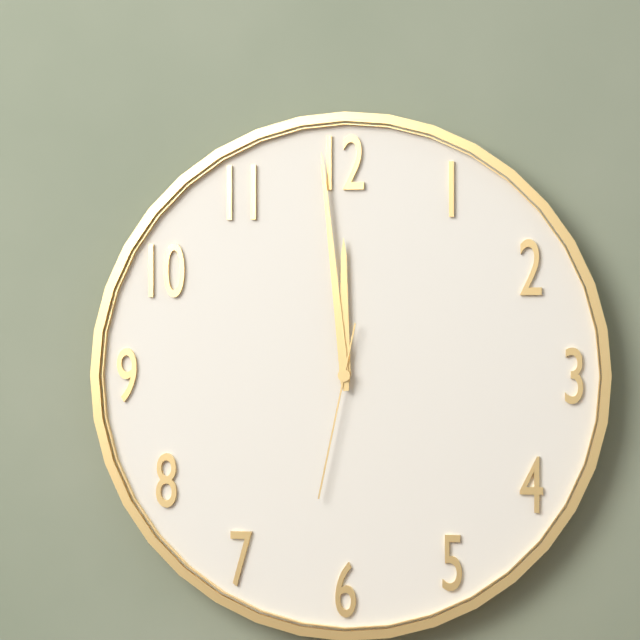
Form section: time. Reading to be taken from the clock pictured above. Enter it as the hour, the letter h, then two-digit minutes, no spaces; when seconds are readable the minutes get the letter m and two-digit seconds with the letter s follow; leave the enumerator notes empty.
11h59m32s
